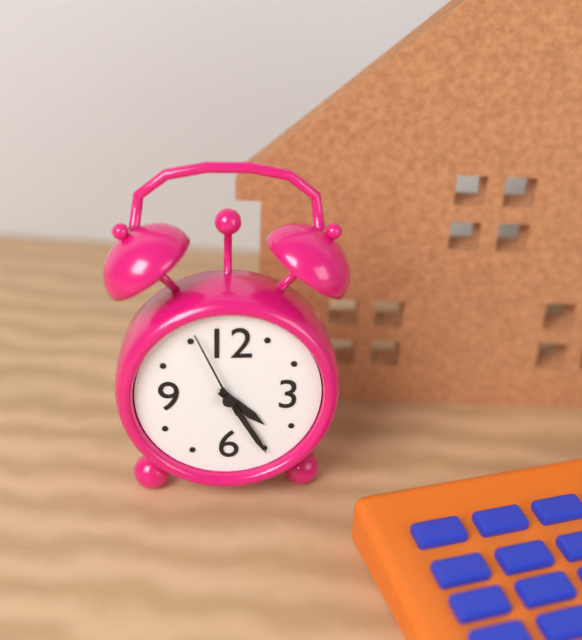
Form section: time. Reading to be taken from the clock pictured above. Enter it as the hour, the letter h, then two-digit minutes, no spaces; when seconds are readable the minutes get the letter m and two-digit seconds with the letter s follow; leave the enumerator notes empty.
4h25m56s
